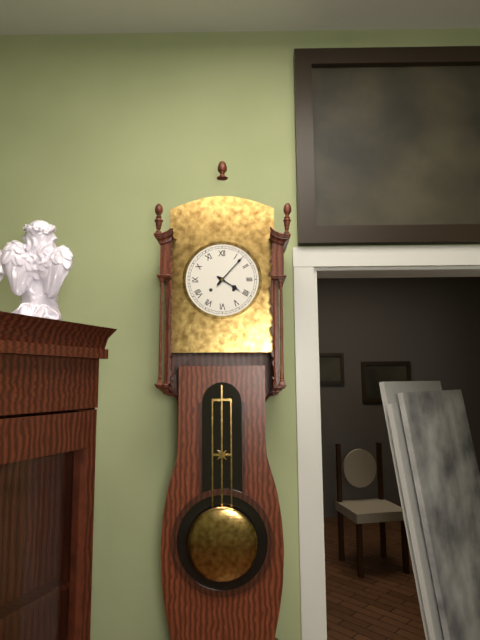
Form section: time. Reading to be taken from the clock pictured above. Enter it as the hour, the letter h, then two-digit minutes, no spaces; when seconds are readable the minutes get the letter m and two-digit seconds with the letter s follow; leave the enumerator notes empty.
4h07
